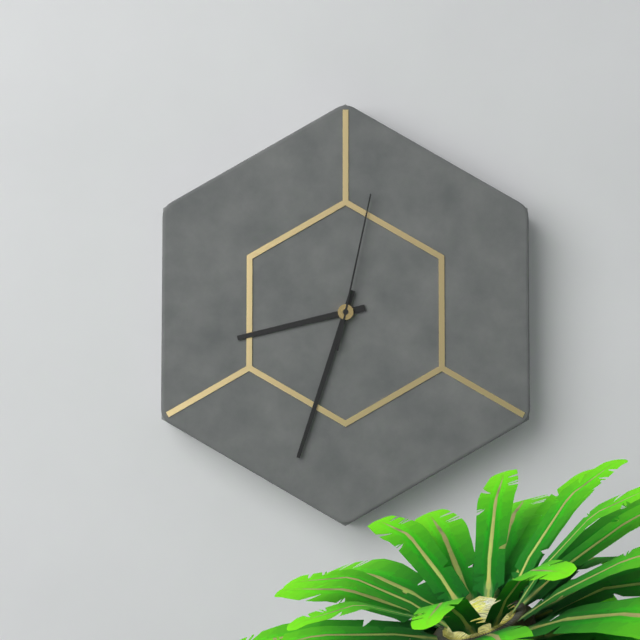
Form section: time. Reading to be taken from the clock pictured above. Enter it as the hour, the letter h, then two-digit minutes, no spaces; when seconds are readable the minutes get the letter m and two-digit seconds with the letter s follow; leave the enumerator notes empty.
8h33m02s
